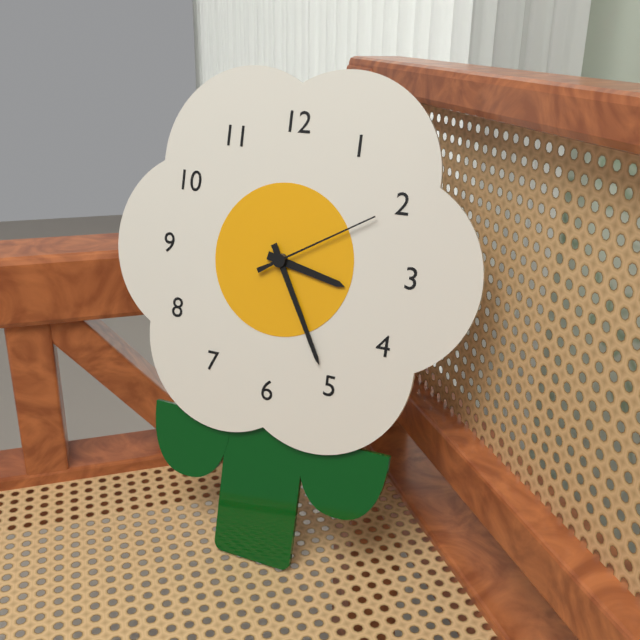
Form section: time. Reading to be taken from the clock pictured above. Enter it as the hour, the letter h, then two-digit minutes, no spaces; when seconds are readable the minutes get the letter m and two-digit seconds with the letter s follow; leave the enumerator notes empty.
3h25m10s
